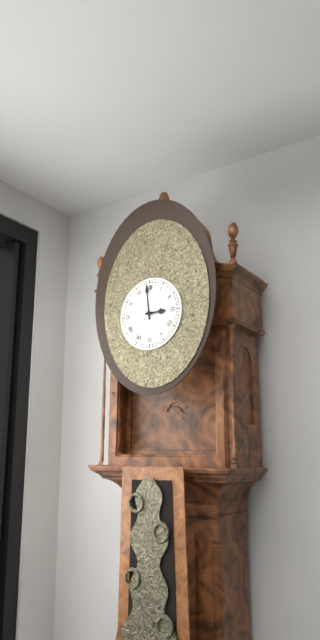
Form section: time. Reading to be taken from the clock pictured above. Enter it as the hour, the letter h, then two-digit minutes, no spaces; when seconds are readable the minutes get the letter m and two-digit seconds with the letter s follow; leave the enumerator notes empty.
2h59
